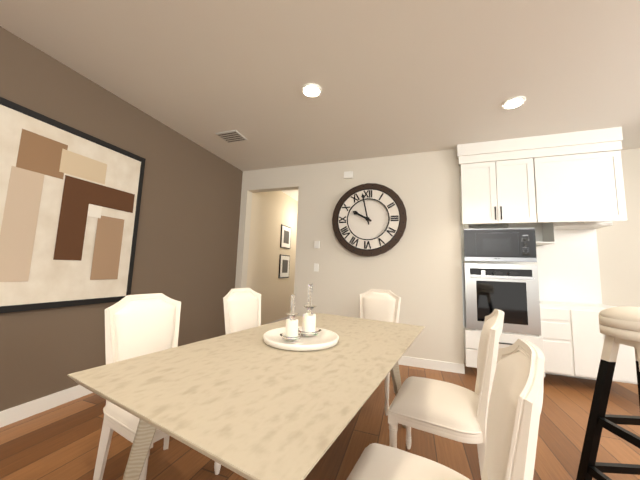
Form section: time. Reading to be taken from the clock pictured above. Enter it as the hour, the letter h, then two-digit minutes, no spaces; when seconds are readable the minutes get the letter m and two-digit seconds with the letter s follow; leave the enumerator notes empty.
9h58
